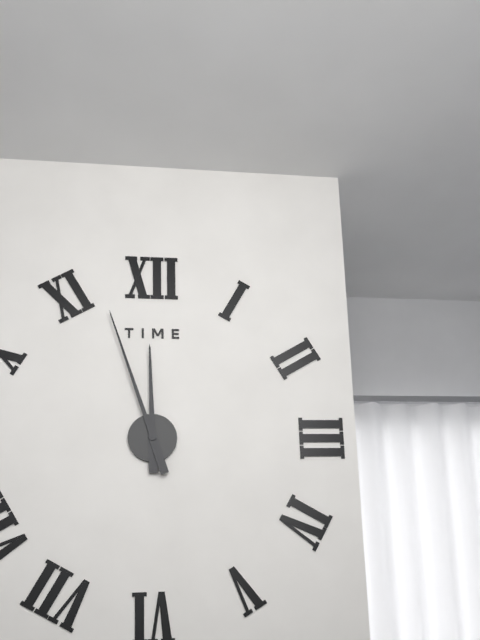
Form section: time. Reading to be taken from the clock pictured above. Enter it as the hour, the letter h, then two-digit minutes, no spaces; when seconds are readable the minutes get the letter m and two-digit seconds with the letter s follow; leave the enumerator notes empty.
11h57
